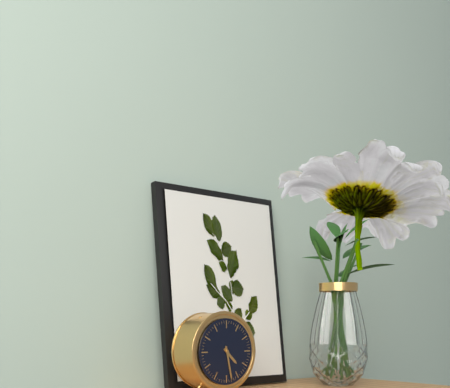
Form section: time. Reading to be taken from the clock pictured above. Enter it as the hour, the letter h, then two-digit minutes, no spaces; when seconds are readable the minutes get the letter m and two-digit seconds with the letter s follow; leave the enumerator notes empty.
4h28
